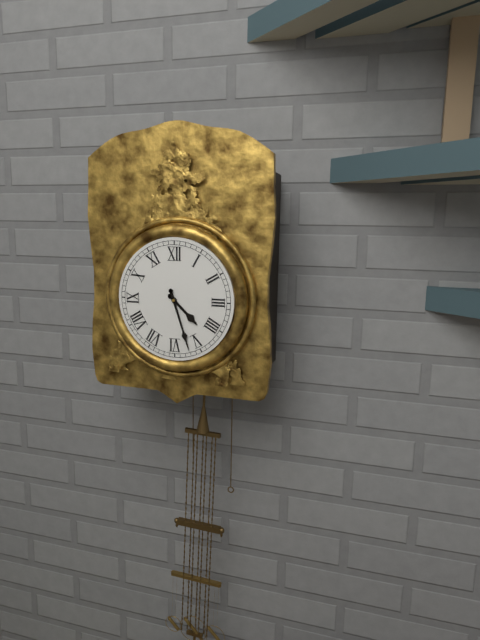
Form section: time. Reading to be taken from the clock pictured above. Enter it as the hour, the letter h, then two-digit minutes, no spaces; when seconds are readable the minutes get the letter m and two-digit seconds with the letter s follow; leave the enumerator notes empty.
4h27
